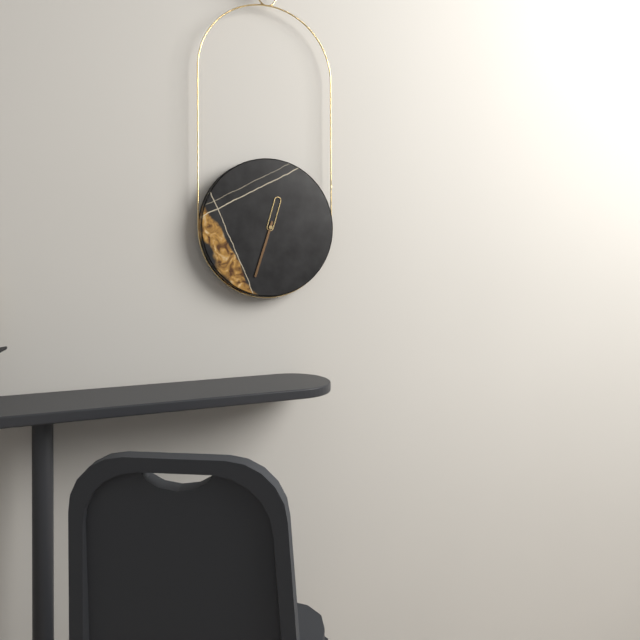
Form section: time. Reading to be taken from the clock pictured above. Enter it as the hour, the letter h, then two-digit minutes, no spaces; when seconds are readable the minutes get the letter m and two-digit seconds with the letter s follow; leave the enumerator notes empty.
12h33
